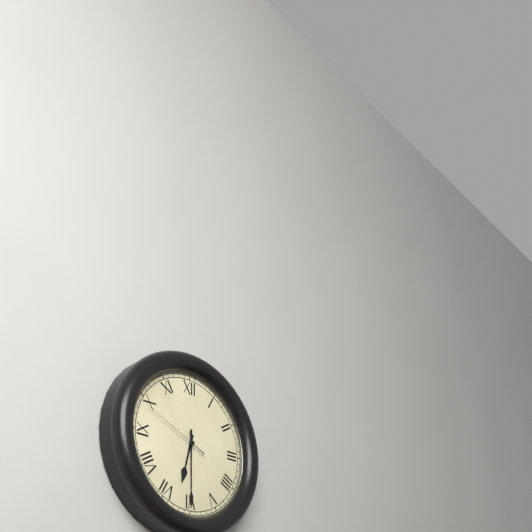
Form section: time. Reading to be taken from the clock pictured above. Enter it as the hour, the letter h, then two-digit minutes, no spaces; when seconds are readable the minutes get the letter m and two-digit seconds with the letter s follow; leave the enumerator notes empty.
6h30m49s
